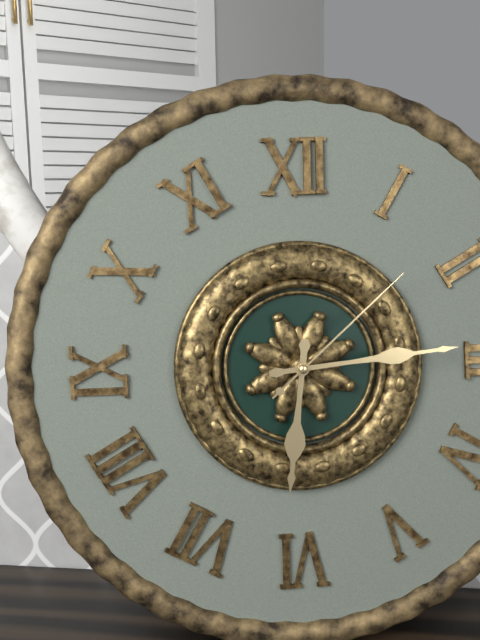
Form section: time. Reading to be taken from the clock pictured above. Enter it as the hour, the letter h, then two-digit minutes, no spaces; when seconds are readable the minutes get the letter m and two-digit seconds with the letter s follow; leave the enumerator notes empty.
6h14m08s
